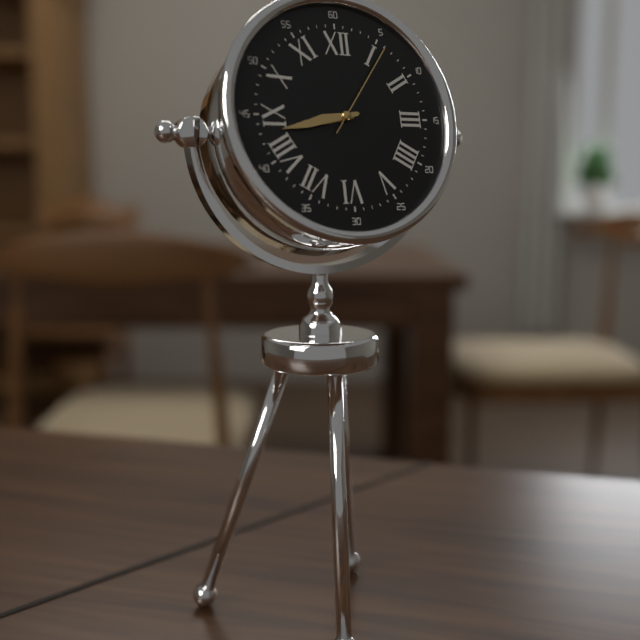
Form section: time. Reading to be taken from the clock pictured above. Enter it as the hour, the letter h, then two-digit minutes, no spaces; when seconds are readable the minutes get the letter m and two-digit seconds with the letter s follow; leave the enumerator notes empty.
8h43m06s
